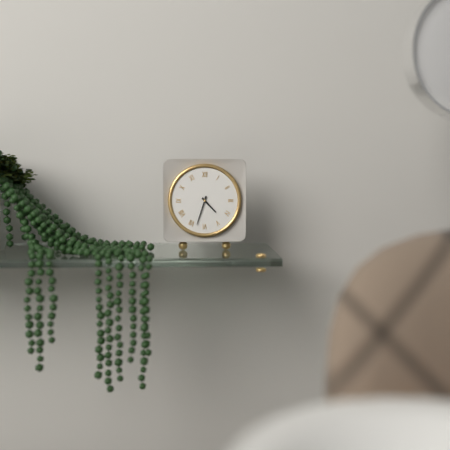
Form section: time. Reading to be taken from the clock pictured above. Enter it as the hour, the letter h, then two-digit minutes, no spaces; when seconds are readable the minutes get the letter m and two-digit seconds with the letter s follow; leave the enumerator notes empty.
4h33
